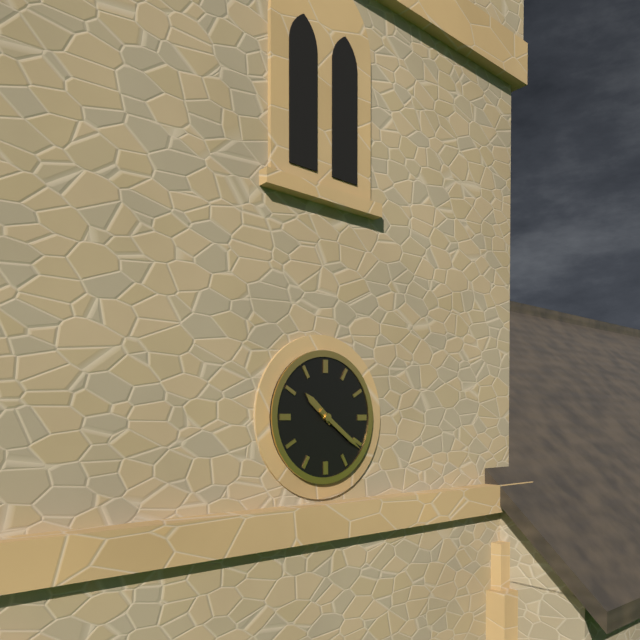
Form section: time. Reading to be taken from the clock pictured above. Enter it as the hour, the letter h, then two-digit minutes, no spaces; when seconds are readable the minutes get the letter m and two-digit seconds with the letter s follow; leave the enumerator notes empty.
10h21
